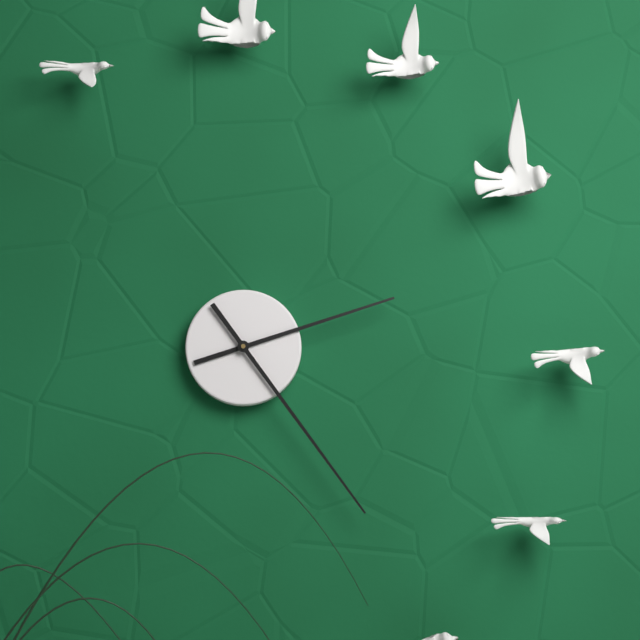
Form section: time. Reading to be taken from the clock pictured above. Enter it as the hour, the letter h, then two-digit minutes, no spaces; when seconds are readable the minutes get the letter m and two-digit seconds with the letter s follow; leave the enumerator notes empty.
2h24
